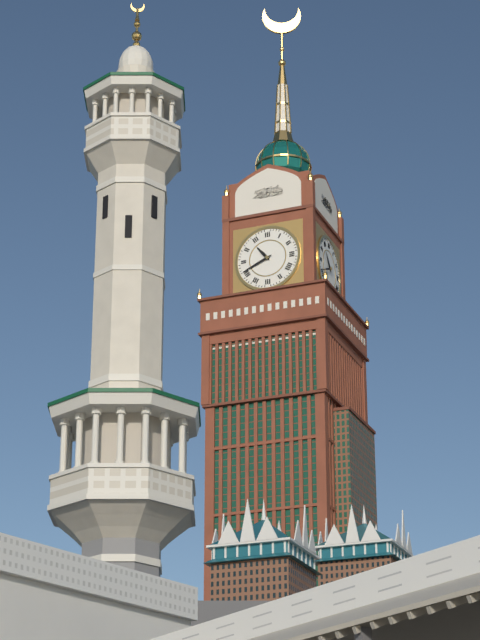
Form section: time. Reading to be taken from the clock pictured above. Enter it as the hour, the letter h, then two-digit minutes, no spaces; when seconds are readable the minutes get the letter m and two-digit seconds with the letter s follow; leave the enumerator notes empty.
10h41
